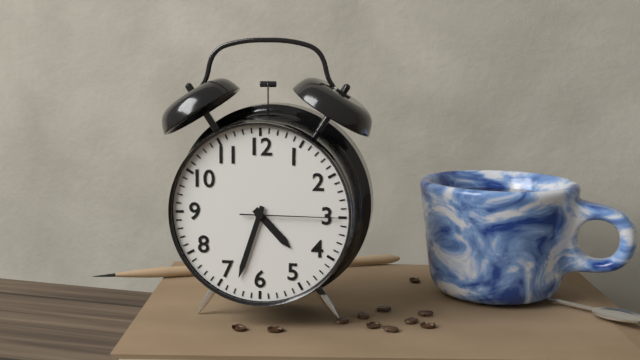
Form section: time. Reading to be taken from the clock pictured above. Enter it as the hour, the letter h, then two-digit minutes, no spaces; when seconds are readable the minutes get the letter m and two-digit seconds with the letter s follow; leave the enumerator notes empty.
4h33m15s
